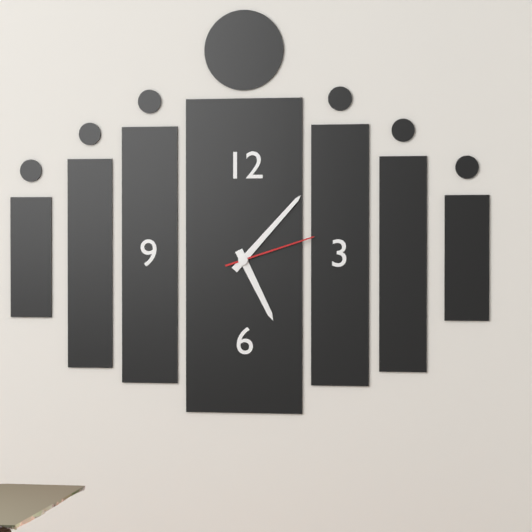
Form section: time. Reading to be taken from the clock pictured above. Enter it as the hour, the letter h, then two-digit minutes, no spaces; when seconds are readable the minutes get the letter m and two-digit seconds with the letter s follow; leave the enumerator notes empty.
5h07m12s
